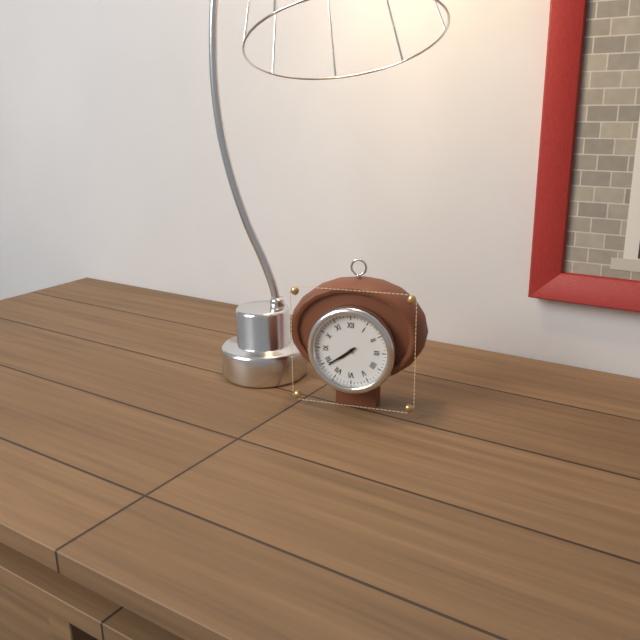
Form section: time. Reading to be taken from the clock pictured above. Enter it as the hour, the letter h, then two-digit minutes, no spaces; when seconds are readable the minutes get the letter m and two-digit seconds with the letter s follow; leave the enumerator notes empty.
7h39
